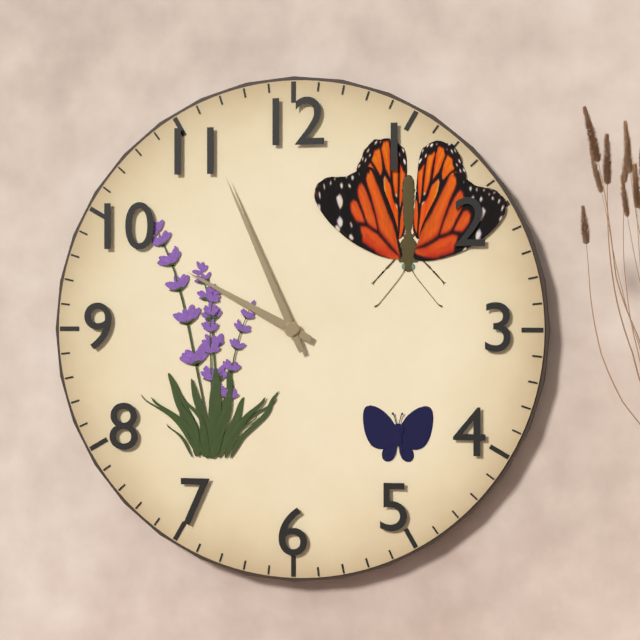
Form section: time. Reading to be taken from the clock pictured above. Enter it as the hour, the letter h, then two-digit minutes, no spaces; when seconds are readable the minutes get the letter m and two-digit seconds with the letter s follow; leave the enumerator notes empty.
9h56
